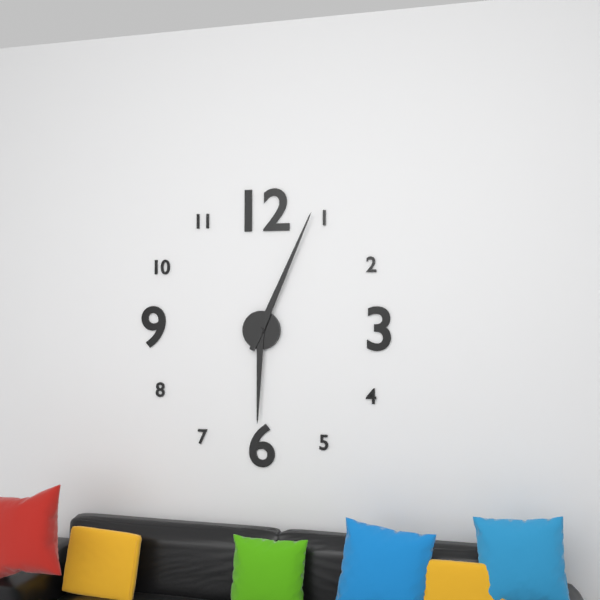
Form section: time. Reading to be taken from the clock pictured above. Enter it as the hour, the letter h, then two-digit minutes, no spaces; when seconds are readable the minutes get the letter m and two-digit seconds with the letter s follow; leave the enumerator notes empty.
6h04
